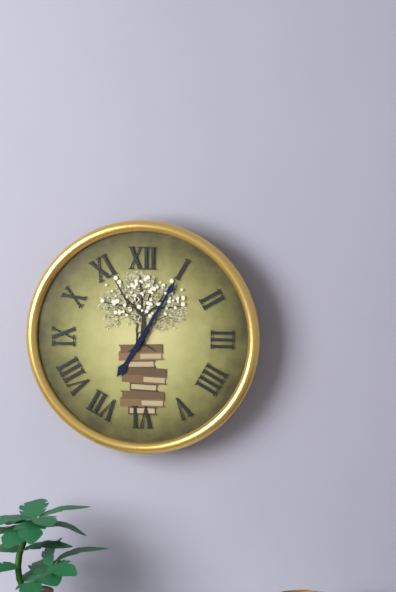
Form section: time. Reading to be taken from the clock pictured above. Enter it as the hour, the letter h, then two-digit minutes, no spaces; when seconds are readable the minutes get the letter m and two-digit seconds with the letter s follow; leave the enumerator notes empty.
7h05
